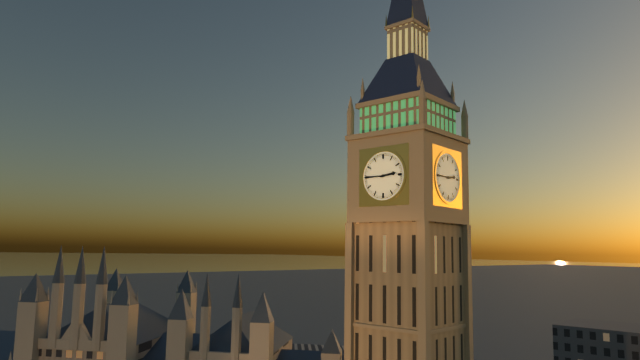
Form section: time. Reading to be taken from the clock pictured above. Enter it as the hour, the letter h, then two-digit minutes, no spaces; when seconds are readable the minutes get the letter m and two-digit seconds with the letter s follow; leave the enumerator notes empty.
2h45
